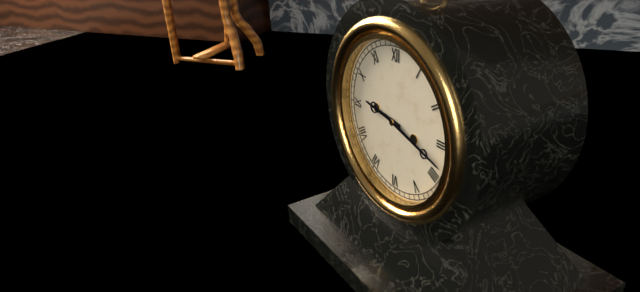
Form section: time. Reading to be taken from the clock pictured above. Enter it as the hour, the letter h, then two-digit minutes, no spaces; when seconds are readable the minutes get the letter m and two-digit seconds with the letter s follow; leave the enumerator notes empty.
9h18
